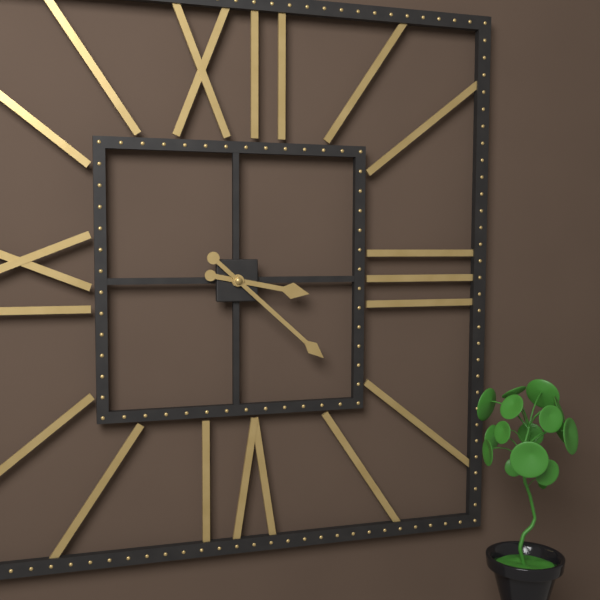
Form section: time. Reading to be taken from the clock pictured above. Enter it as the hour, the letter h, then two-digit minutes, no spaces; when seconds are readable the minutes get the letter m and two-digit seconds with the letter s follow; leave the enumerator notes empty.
3h22
